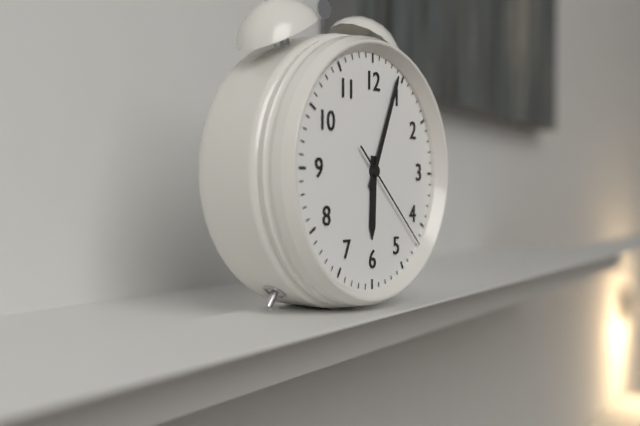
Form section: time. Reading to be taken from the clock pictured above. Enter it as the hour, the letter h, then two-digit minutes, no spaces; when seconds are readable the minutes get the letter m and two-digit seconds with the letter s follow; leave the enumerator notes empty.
6h04m22s
